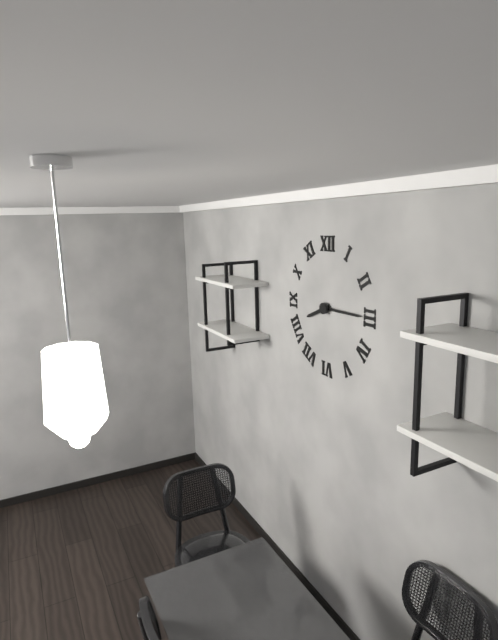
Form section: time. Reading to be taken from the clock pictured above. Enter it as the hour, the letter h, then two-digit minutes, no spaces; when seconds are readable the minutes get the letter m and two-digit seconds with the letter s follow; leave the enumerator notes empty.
8h15
